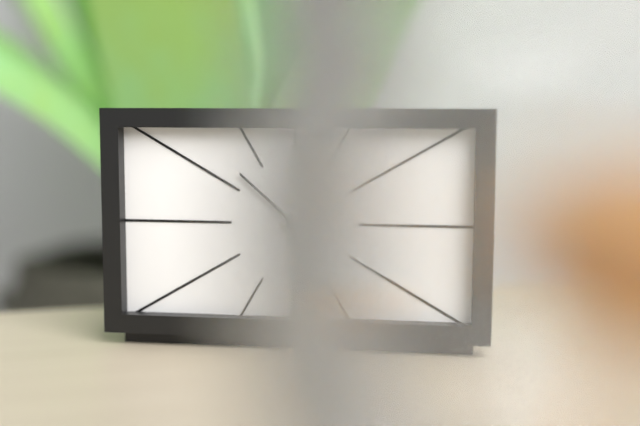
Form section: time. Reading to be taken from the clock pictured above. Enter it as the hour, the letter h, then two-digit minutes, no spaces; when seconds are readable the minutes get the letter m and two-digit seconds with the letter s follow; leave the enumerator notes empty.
5h52m28s
